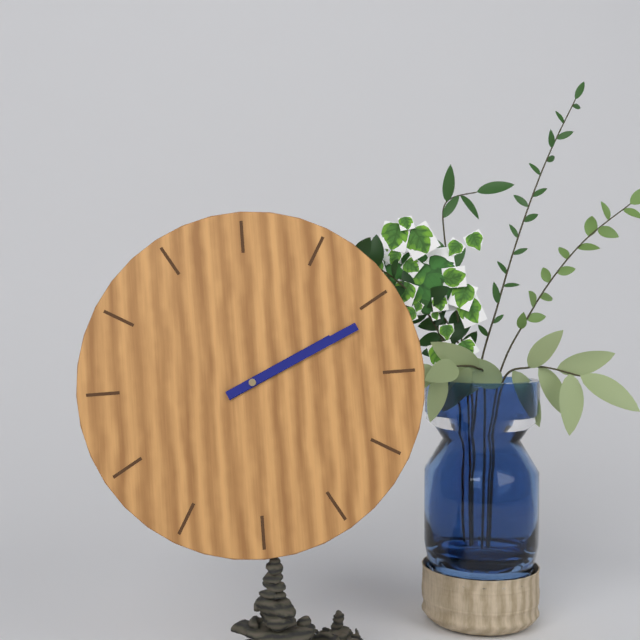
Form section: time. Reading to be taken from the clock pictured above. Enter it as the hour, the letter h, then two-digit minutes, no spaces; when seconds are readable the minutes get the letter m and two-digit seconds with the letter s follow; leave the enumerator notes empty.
2h11
